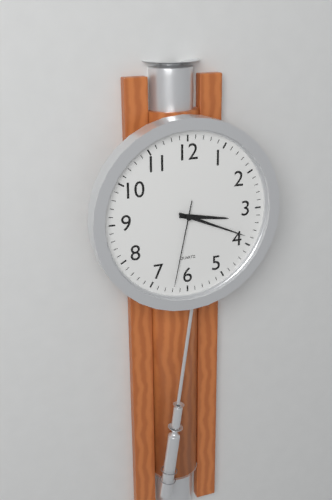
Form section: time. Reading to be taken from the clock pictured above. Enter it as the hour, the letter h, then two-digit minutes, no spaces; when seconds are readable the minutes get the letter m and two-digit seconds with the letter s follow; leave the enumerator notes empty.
3h19m32s
